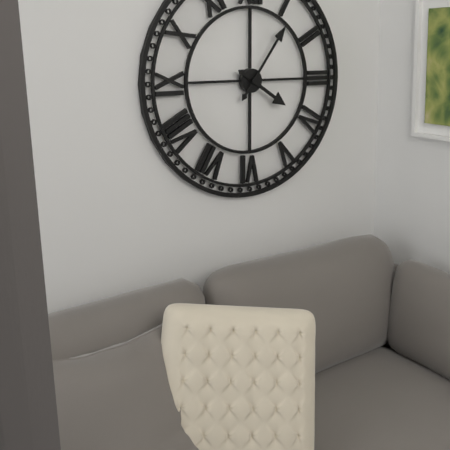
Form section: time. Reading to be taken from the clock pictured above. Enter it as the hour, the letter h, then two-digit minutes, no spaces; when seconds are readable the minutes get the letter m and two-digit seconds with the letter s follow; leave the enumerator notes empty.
4h06
